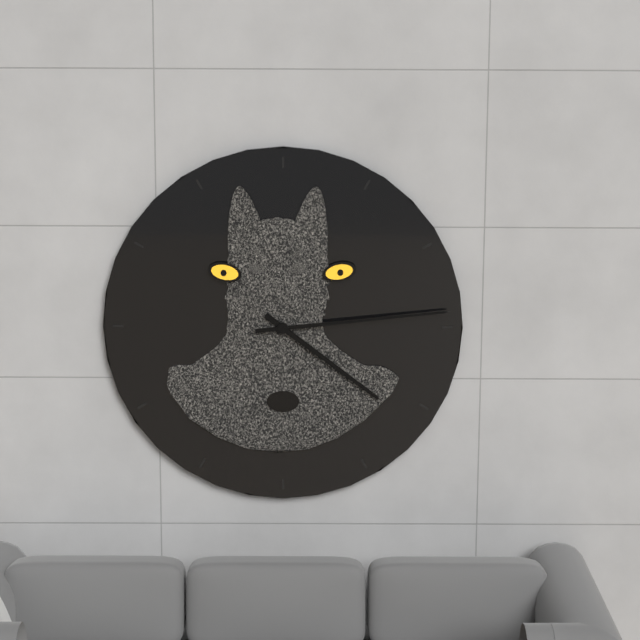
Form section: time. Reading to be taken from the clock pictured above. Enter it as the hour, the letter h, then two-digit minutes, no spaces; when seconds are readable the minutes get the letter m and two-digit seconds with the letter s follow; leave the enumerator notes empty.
4h14
